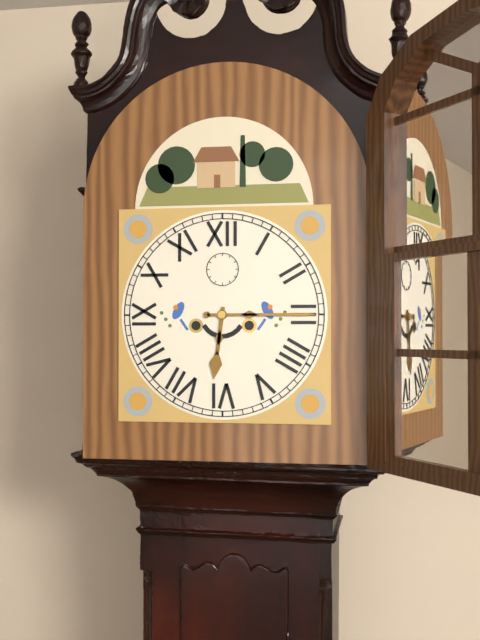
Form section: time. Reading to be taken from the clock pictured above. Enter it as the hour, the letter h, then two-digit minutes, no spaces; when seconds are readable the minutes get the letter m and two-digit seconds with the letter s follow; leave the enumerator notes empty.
6h15
